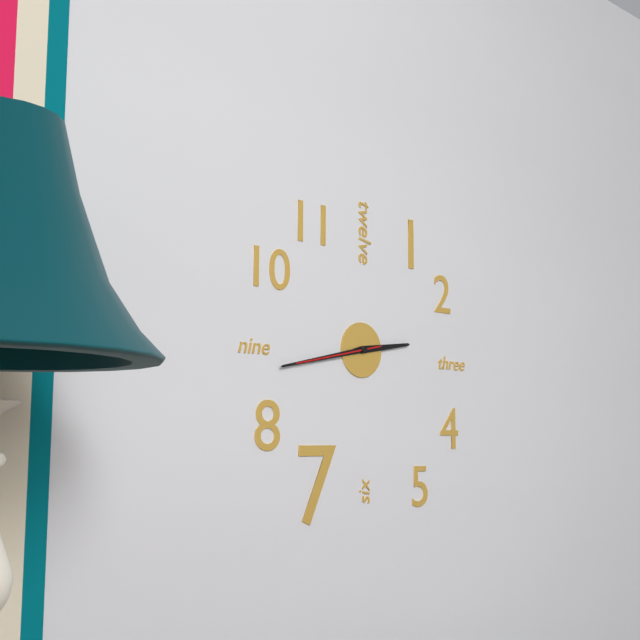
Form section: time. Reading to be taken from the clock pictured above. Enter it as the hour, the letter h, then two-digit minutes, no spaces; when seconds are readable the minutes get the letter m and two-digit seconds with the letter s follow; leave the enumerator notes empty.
2h43m43s
